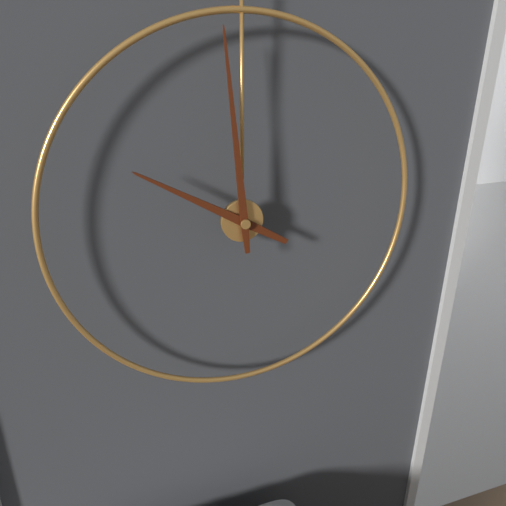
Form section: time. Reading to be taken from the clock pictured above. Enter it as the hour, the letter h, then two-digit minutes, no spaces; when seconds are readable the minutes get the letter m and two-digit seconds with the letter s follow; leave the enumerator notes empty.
9h59
